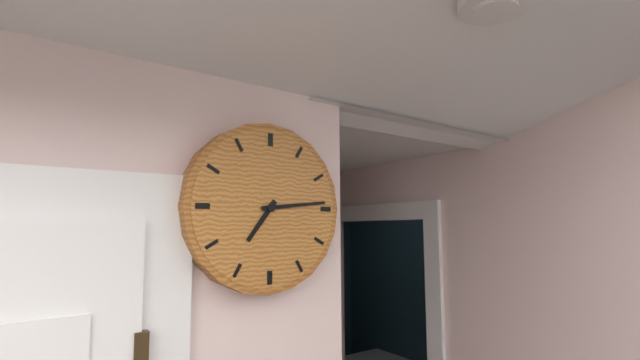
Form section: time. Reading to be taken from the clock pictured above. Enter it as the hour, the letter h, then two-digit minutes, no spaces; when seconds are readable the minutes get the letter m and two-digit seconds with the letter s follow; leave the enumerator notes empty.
7h14
